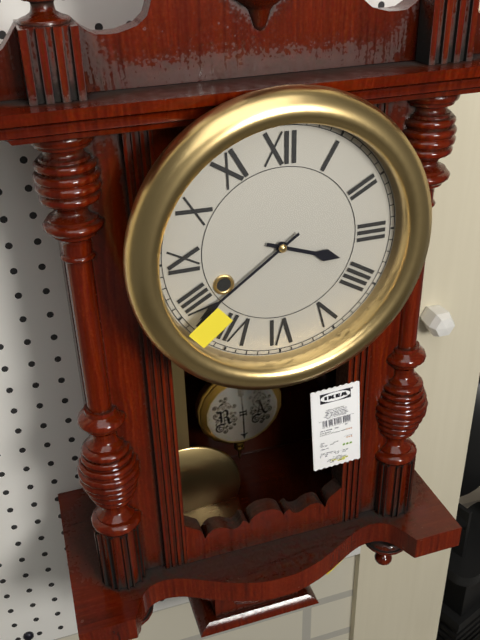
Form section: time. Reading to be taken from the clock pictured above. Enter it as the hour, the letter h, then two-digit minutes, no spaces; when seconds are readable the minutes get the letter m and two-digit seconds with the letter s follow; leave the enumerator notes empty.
3h39
